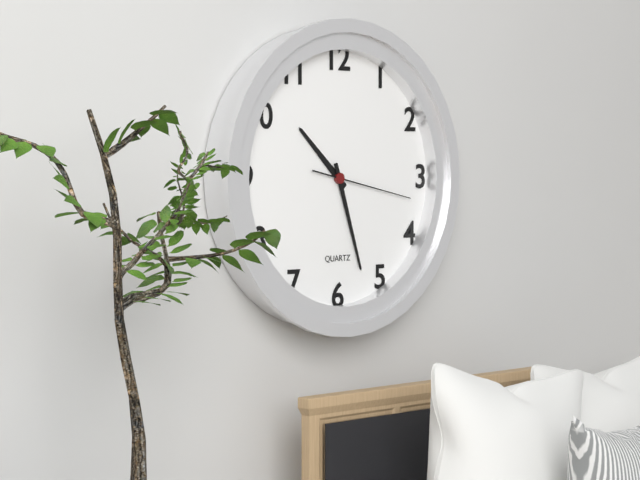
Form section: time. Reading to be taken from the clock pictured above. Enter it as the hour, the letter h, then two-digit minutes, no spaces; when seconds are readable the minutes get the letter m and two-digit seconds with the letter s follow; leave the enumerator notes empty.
10h27m17s
